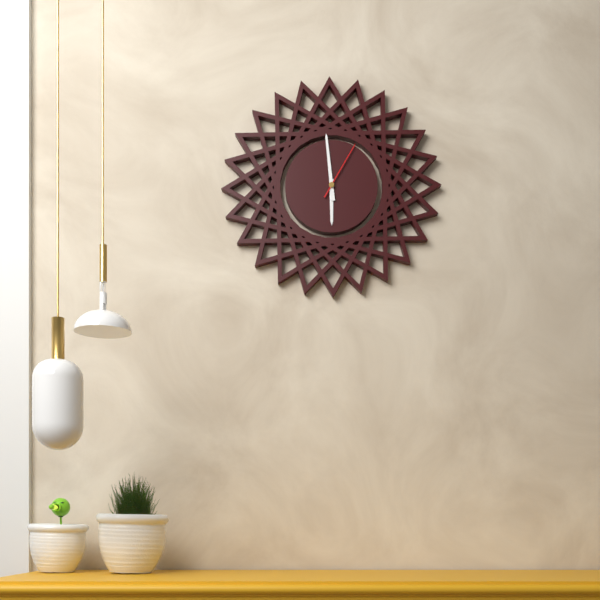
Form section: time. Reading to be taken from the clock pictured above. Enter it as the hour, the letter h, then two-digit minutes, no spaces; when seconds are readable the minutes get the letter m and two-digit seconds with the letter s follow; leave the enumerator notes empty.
5h59m05s
